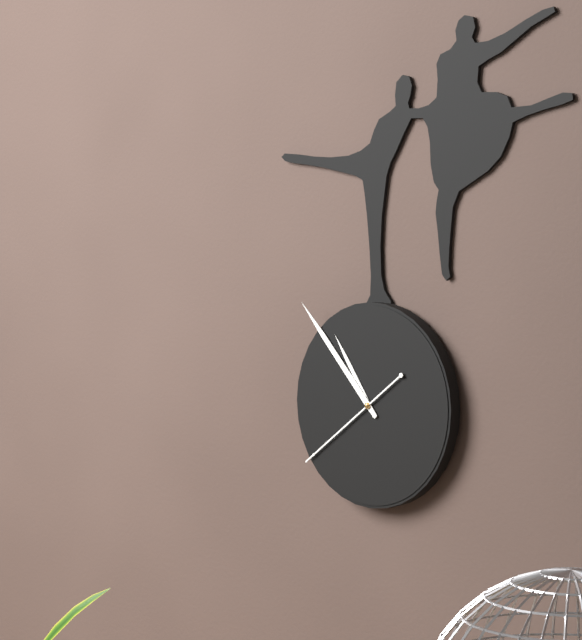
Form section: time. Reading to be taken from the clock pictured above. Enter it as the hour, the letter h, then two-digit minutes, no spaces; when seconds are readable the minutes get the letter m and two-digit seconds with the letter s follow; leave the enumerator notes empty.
10h53m39s
